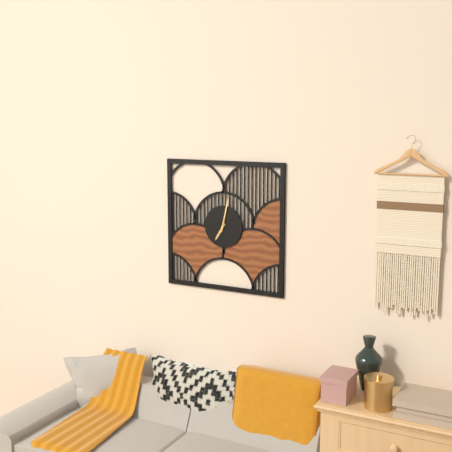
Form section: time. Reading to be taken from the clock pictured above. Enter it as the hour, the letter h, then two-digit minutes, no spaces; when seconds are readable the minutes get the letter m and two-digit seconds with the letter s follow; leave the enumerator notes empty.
7h02
